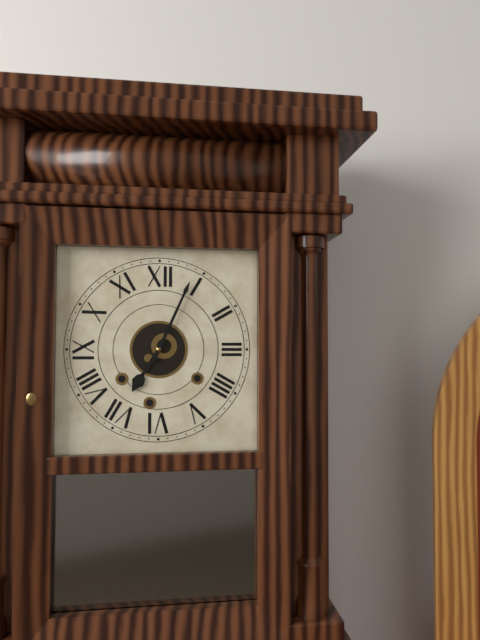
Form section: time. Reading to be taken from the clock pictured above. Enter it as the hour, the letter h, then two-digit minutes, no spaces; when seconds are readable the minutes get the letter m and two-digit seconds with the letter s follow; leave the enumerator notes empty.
7h04
